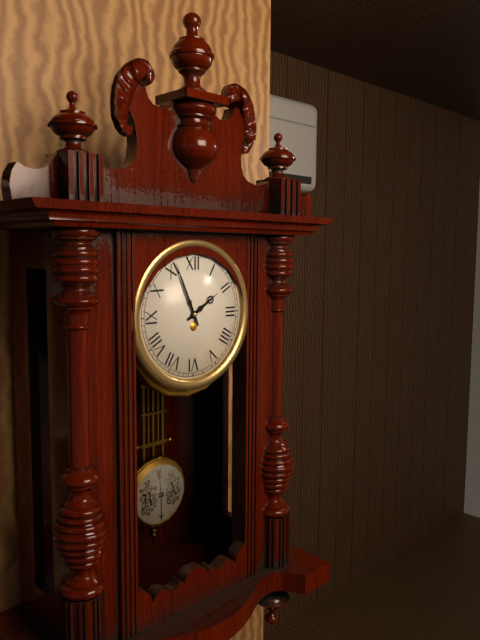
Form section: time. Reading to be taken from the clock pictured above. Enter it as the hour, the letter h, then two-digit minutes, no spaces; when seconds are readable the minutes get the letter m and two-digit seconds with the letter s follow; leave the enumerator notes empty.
1h56
